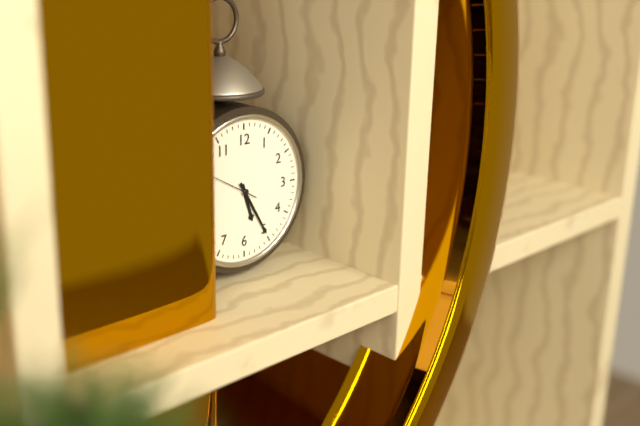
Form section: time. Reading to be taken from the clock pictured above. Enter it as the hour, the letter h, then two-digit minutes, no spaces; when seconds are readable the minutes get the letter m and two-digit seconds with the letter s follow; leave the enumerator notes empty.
5h25m50s
